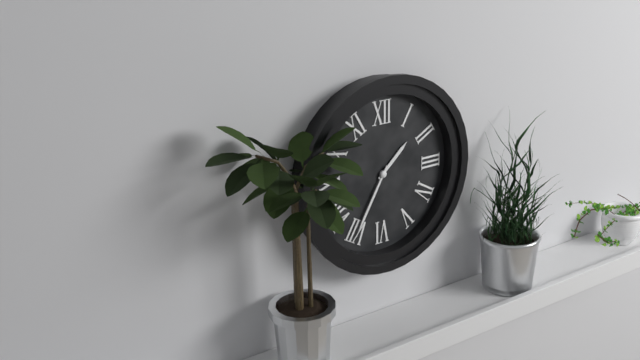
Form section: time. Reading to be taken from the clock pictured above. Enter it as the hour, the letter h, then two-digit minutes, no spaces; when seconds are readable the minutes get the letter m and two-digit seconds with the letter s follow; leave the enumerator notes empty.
1h35
